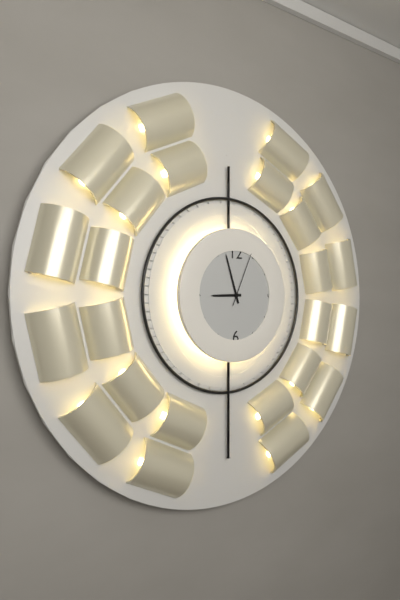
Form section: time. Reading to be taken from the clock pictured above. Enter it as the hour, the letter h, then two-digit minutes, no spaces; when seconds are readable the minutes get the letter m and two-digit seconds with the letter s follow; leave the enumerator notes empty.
8h57m04s
